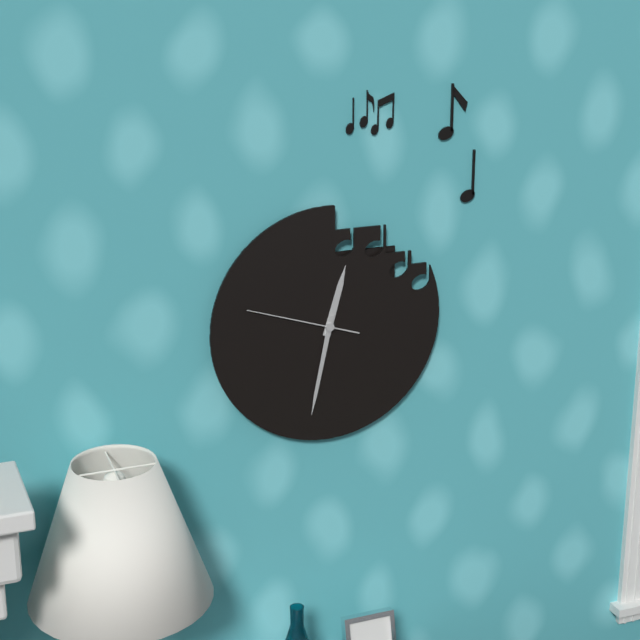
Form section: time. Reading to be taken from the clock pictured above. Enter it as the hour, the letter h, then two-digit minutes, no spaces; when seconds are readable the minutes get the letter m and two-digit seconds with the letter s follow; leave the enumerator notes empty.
12h32m48s
